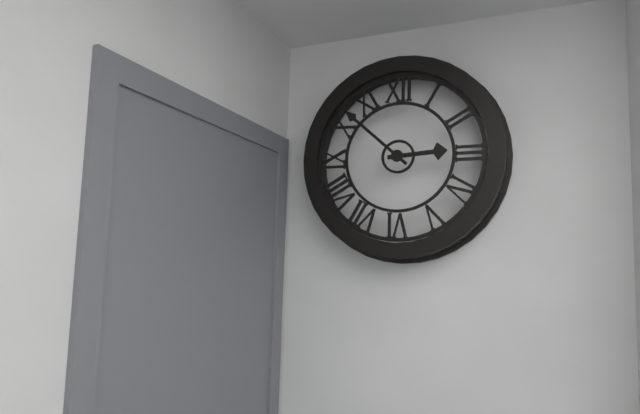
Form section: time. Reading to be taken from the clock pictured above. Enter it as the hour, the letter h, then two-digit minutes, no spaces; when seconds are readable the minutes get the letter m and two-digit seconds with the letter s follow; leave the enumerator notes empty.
2h52
